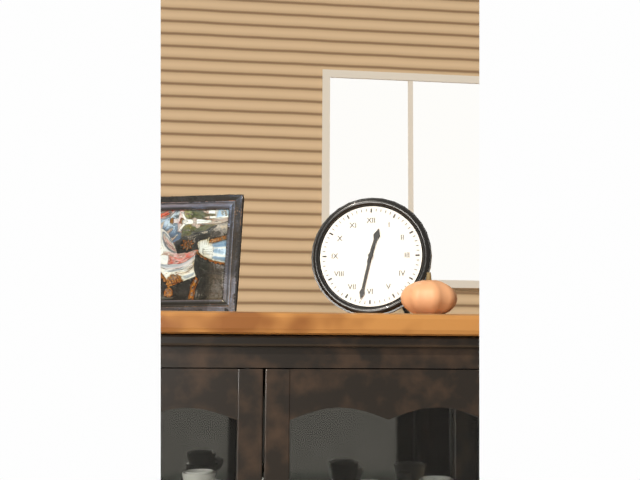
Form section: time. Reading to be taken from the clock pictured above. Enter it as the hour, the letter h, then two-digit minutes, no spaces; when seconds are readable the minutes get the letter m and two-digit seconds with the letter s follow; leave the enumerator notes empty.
12h32
